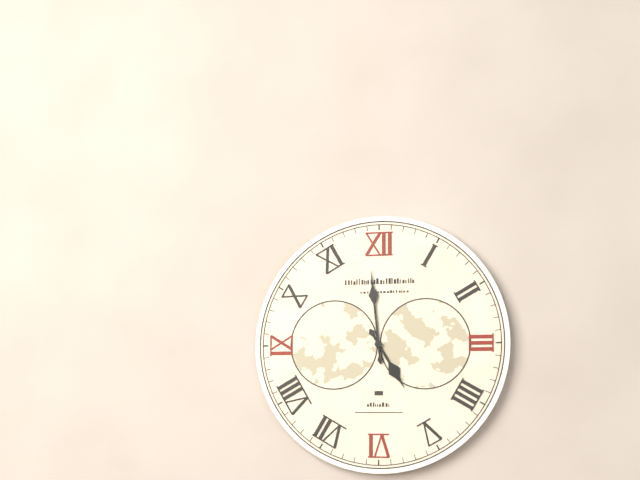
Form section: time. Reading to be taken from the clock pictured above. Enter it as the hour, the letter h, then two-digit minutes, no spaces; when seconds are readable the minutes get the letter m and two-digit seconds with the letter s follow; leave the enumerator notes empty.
4h59
